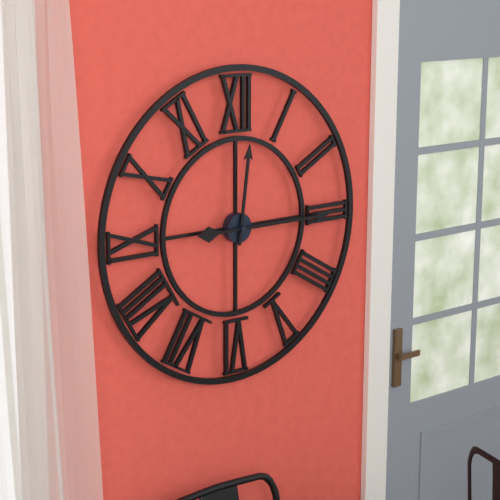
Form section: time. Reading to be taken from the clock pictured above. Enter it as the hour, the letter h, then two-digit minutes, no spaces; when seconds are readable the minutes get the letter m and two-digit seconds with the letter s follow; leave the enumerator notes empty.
12h15
